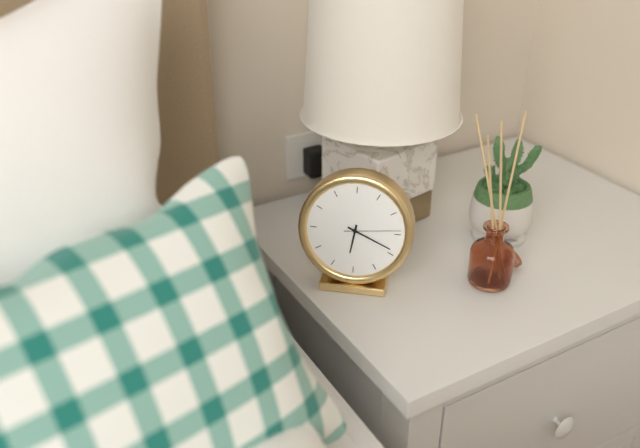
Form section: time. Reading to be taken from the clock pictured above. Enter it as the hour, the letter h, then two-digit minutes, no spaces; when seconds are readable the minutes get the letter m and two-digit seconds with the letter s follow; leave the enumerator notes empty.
6h19m14s
